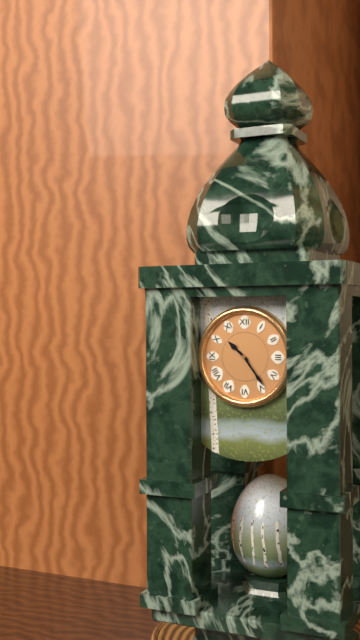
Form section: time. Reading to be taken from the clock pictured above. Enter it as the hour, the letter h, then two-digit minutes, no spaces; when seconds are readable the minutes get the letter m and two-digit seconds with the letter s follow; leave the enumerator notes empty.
10h24
